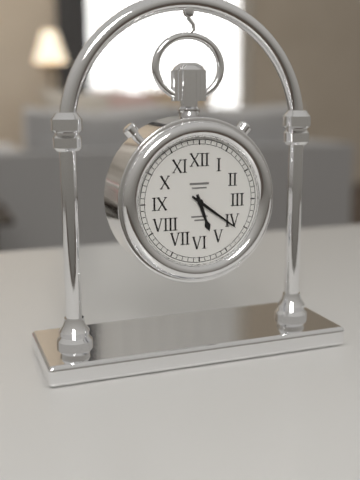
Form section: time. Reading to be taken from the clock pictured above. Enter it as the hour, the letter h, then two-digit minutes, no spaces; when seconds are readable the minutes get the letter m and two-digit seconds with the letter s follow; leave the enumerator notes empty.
5h21
